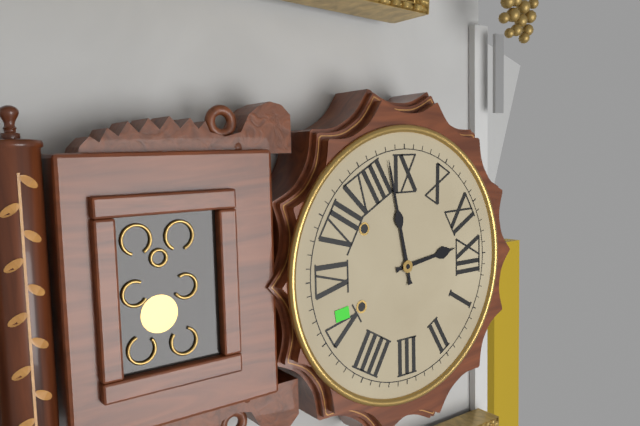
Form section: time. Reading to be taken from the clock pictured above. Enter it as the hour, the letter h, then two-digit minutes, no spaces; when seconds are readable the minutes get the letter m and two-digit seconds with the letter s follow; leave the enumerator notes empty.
11h43
